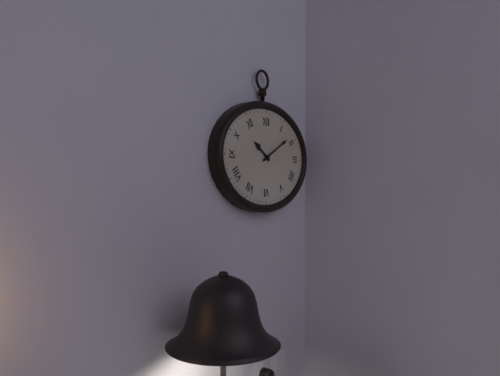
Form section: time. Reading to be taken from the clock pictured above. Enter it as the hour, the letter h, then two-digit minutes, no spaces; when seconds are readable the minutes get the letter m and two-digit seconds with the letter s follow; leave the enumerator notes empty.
10h10
